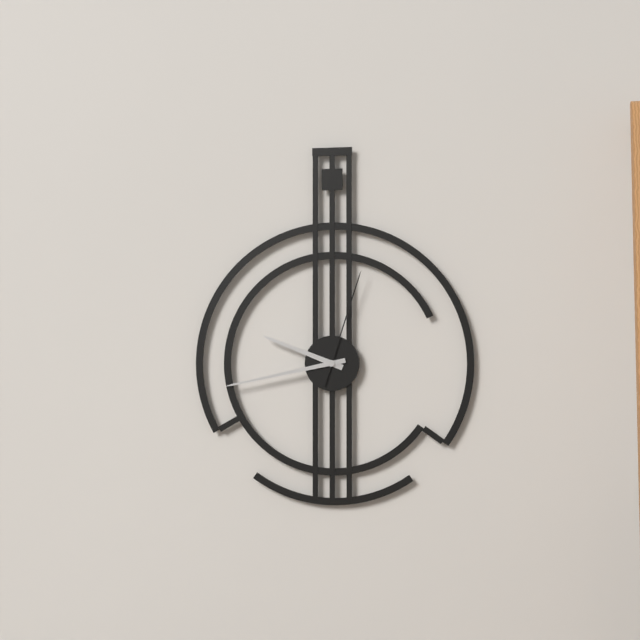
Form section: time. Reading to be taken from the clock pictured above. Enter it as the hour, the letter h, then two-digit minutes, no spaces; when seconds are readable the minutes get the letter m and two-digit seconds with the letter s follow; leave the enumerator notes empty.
9h43m03s
